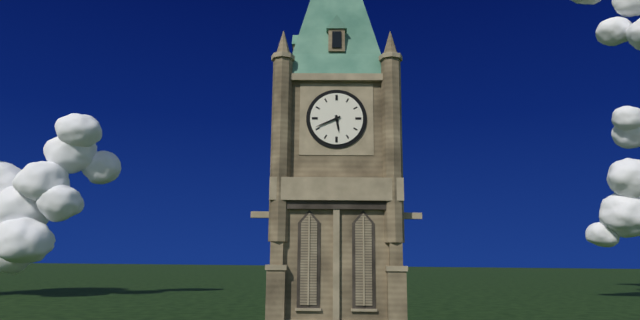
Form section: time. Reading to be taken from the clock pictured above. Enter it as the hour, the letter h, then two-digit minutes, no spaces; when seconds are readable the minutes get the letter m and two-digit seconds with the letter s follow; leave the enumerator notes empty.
5h41
